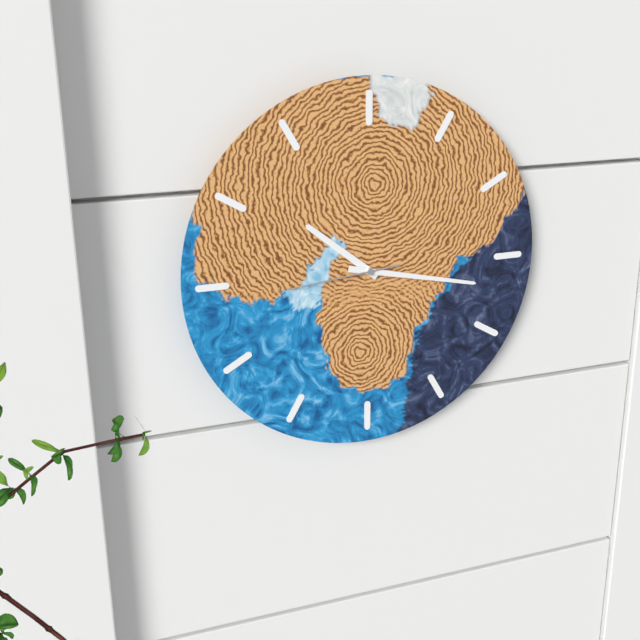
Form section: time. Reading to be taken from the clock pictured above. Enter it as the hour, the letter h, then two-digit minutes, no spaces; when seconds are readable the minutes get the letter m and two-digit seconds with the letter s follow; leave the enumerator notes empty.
10h17m44s
